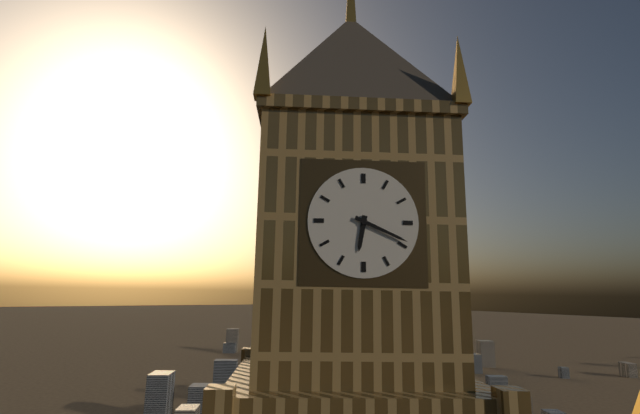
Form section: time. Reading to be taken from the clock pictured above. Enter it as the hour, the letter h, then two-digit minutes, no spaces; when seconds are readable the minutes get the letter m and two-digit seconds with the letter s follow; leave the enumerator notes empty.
6h19
